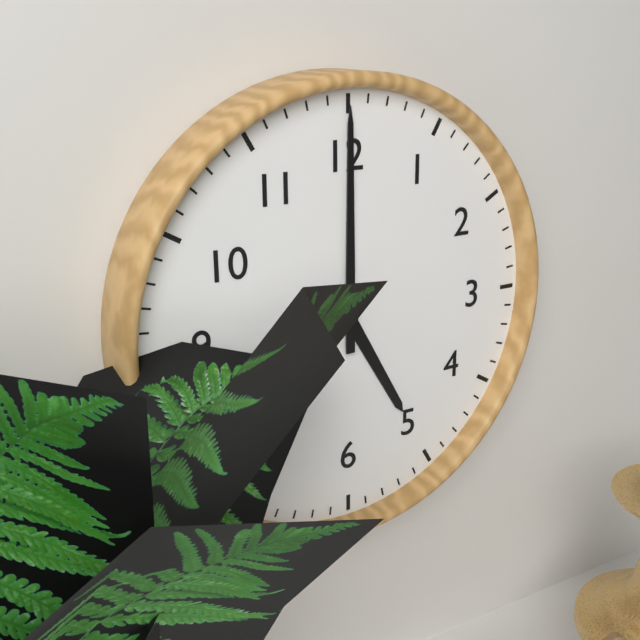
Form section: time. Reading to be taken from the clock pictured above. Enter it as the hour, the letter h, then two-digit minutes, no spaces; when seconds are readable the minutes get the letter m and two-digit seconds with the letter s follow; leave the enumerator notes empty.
5h00
